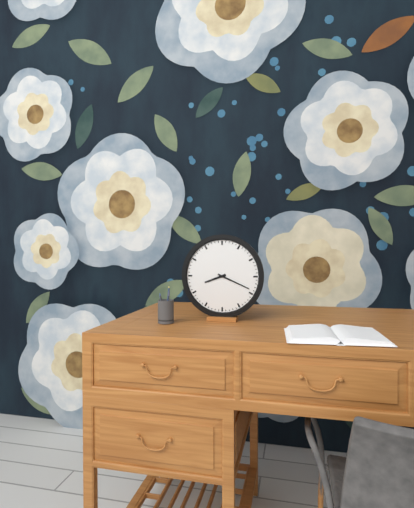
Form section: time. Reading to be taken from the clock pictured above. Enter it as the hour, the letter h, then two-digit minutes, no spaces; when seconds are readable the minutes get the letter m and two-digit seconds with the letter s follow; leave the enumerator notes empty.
8h19
